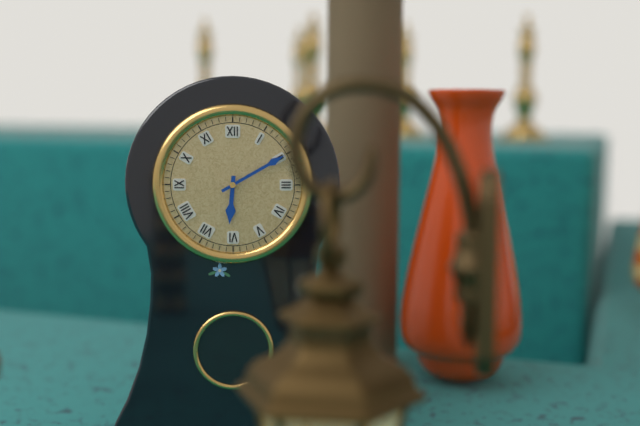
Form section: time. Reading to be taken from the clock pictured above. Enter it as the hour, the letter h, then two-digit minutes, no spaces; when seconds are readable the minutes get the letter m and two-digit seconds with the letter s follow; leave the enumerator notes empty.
6h10
